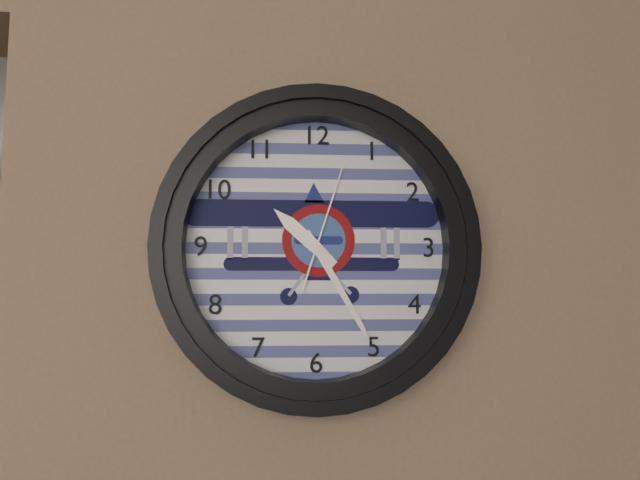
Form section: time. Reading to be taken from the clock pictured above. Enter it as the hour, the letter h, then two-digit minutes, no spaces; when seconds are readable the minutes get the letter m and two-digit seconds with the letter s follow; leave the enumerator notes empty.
10h25m03s
